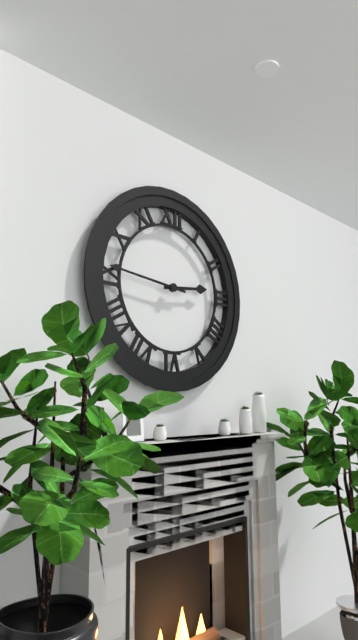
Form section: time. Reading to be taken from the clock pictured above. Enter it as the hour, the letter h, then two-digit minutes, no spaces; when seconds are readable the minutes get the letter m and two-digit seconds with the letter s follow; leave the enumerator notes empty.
2h46
